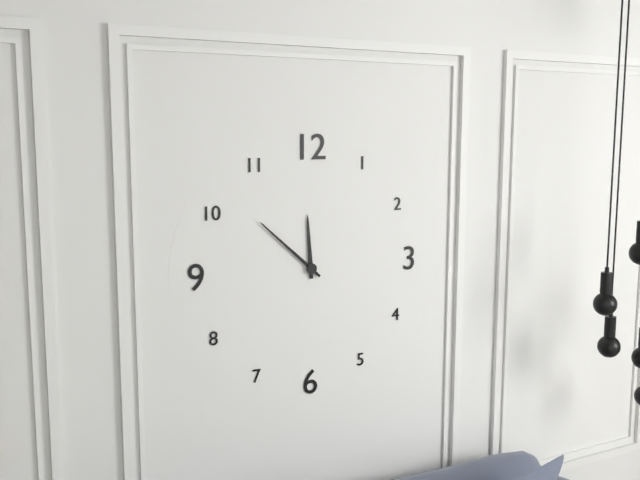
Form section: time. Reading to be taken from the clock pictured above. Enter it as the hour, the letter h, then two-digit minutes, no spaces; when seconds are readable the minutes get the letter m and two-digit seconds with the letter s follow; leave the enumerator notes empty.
11h52
